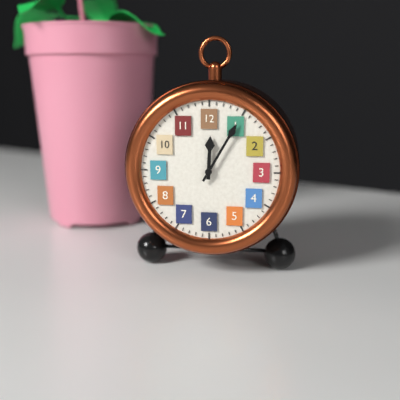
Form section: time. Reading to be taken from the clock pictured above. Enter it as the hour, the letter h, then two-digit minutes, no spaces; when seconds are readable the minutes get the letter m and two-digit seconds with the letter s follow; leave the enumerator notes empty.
12h05
